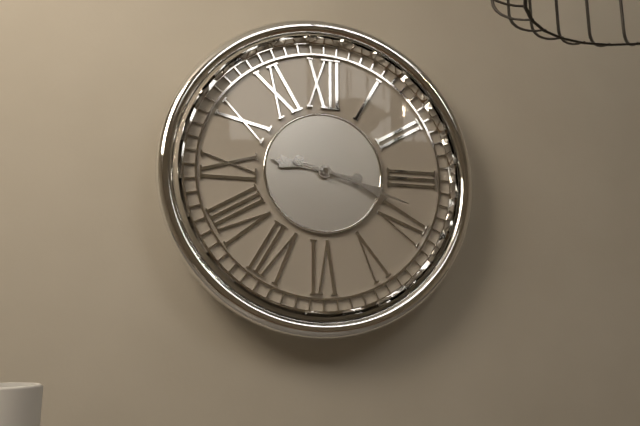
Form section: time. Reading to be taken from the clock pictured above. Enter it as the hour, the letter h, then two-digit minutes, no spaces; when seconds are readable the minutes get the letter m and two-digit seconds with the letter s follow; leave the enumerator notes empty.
9h18
